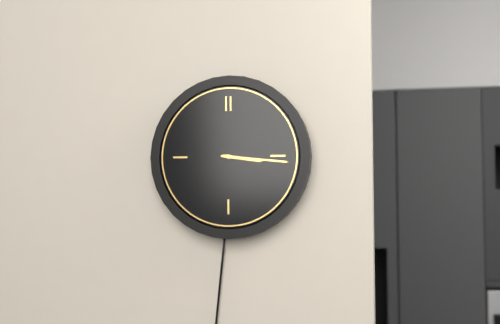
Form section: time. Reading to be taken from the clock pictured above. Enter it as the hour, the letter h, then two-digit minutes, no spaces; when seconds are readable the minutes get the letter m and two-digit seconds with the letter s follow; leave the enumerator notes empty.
3h16
